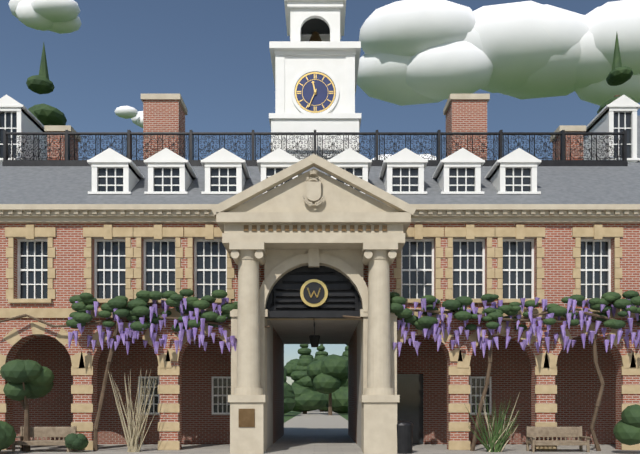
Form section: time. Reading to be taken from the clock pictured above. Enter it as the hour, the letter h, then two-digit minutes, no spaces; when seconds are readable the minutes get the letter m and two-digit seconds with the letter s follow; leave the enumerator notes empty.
11h34
